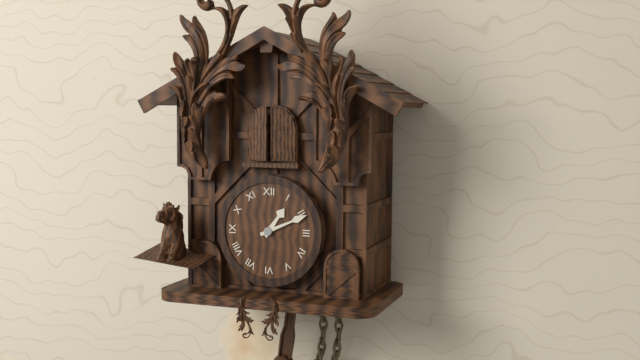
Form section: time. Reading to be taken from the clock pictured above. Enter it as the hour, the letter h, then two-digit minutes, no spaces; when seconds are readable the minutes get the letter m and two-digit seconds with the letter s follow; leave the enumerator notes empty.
1h11
